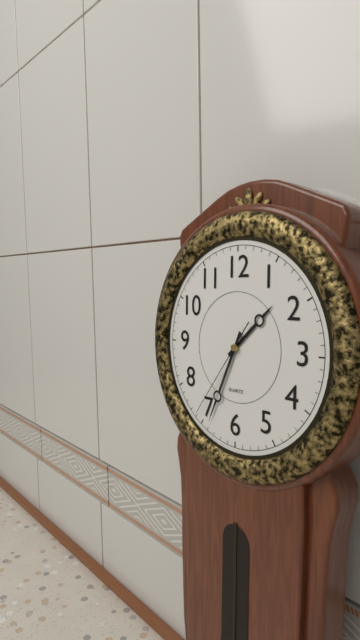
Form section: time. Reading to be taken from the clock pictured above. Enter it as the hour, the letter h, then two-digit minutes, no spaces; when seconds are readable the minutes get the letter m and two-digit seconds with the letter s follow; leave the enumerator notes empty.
1h34m36s
